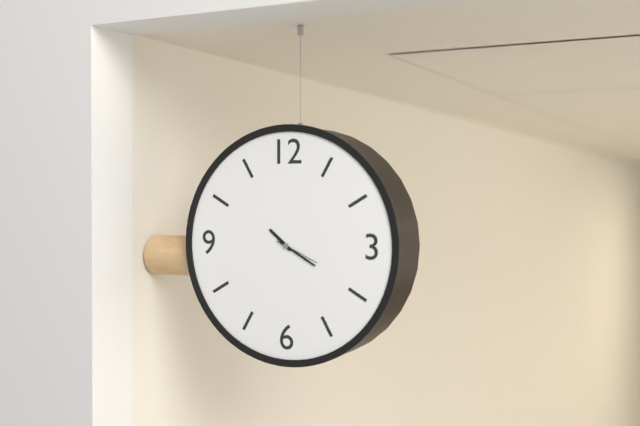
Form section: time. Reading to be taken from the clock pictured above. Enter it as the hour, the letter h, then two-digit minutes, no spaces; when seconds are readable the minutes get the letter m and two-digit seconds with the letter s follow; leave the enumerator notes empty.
10h20
